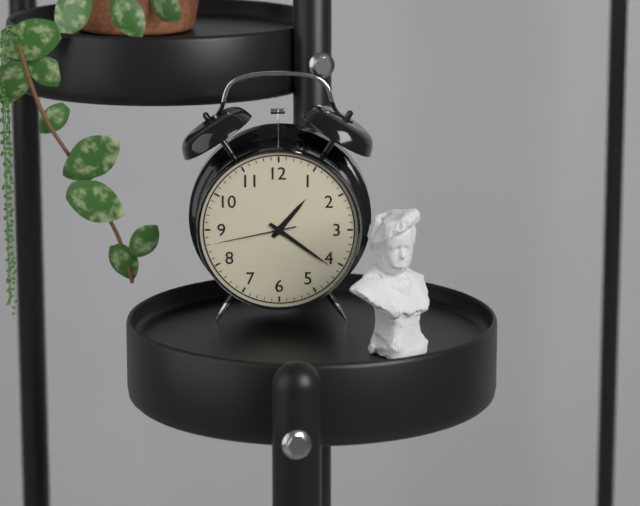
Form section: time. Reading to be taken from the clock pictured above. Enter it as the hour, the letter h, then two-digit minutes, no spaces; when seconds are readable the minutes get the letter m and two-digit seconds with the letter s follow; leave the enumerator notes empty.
1h21m43s
